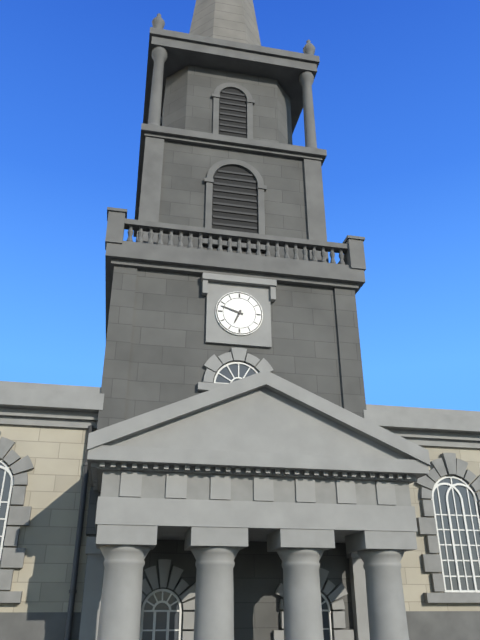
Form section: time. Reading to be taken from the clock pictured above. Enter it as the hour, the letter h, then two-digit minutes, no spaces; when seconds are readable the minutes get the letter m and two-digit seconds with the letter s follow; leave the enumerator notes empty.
6h48
